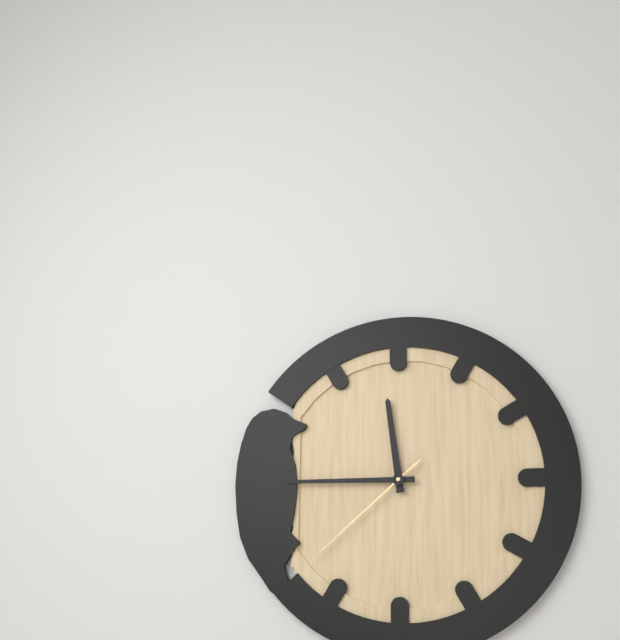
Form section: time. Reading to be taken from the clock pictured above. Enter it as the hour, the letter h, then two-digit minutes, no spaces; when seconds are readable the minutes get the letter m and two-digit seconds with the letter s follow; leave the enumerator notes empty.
11h45m38s
